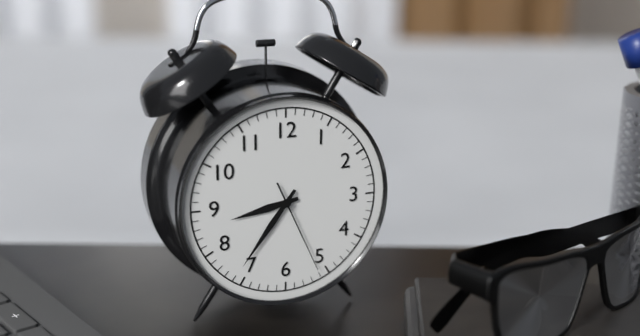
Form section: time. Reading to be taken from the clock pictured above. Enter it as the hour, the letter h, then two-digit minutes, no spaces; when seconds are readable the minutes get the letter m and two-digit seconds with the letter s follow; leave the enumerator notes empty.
8h36m26s
